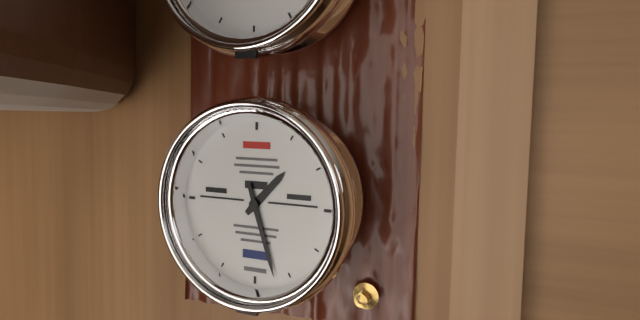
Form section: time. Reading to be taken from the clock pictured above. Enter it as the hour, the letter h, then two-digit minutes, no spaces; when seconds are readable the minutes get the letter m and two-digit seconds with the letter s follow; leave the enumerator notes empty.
1h27
